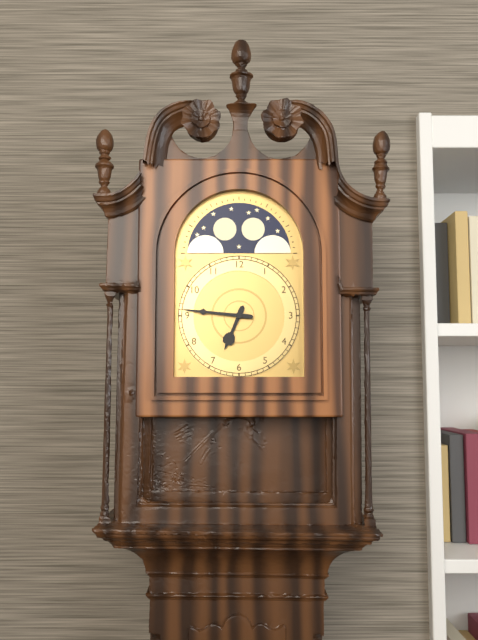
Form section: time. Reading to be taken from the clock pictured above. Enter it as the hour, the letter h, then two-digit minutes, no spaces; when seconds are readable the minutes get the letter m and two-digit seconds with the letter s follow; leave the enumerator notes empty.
6h46
